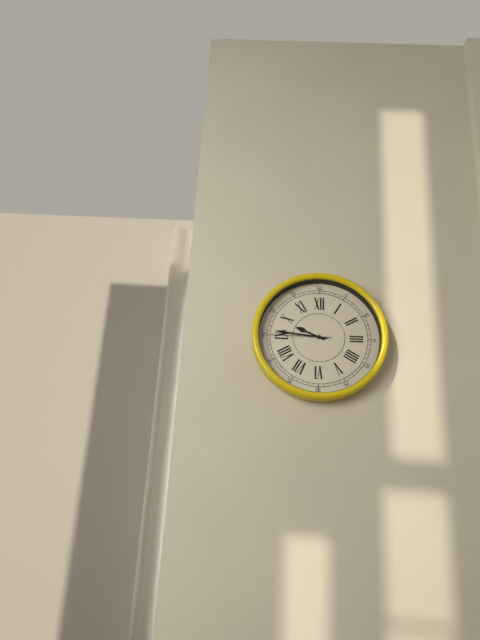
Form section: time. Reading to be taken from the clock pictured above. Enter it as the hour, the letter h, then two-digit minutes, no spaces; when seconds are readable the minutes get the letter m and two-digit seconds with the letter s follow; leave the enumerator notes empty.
9h46m45s
